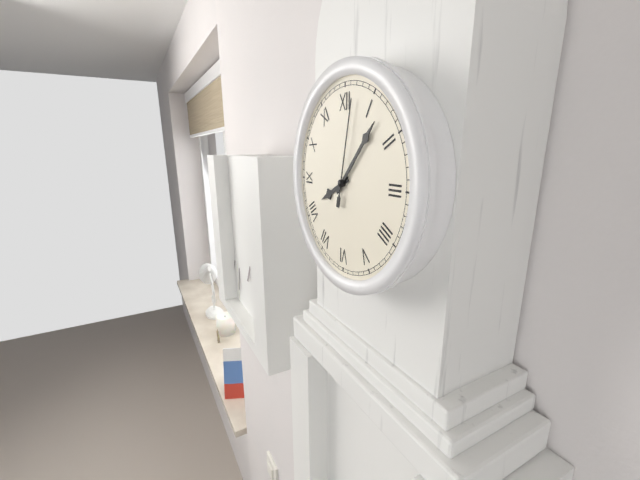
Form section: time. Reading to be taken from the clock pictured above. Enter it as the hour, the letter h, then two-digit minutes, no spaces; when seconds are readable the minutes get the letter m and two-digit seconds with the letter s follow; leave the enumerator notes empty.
8h07m02s
